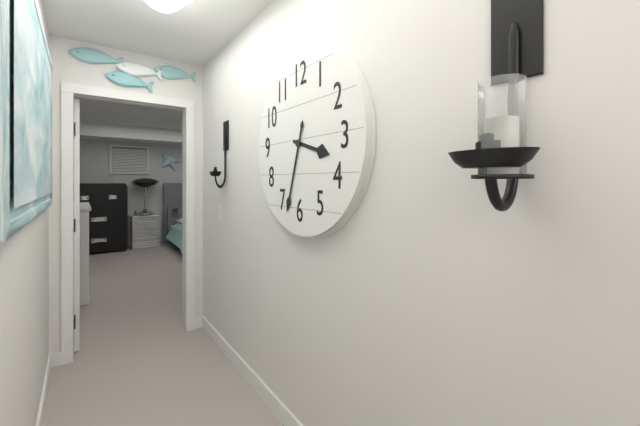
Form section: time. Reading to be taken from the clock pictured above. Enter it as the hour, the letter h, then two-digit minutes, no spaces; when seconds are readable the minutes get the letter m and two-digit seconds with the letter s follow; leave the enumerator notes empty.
3h33
